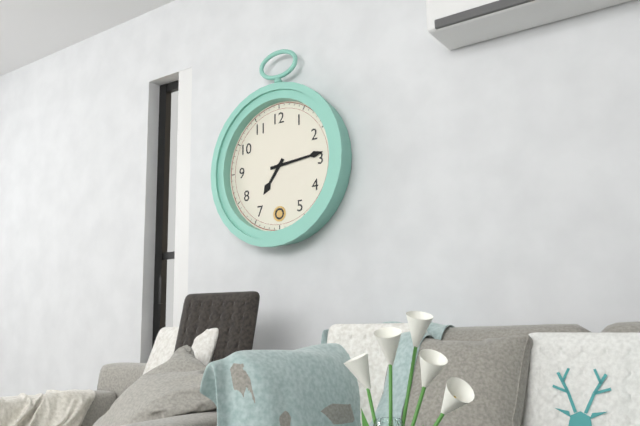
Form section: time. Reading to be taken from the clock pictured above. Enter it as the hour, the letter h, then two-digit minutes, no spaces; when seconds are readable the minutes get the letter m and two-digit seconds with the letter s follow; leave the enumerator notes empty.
7h14
